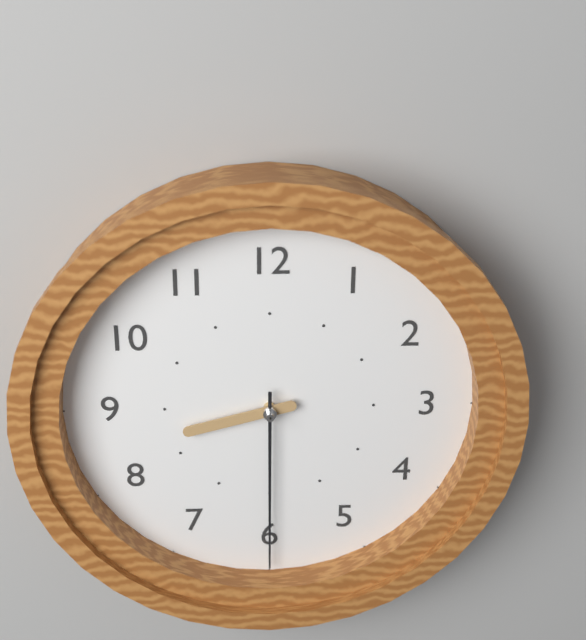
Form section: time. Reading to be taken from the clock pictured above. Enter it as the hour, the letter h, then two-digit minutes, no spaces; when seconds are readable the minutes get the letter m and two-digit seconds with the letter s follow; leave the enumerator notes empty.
8h30
